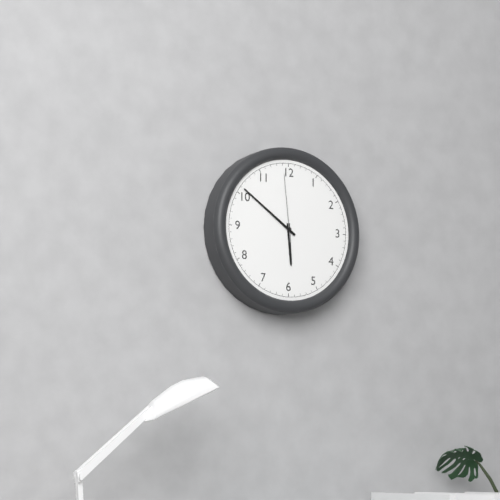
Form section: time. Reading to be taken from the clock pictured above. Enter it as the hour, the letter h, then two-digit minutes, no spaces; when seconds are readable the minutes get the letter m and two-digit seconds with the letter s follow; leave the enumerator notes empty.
5h51m59s
